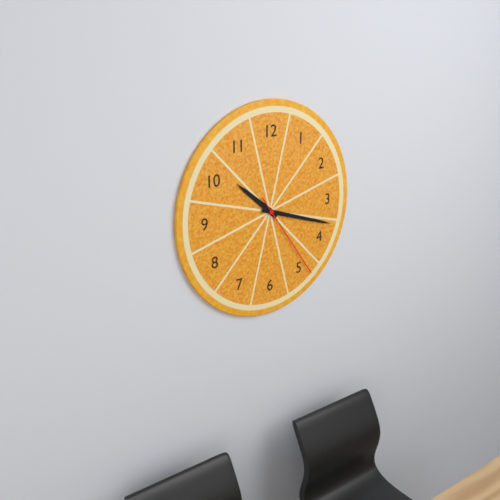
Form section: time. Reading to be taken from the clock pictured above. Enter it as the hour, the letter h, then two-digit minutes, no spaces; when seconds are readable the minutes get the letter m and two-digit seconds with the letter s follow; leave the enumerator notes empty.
10h18m24s
